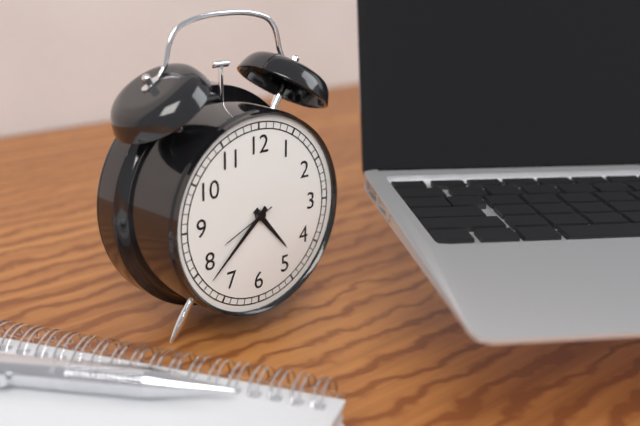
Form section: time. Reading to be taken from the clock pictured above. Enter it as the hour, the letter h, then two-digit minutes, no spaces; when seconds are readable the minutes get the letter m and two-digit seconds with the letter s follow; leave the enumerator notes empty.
4h38m41s
